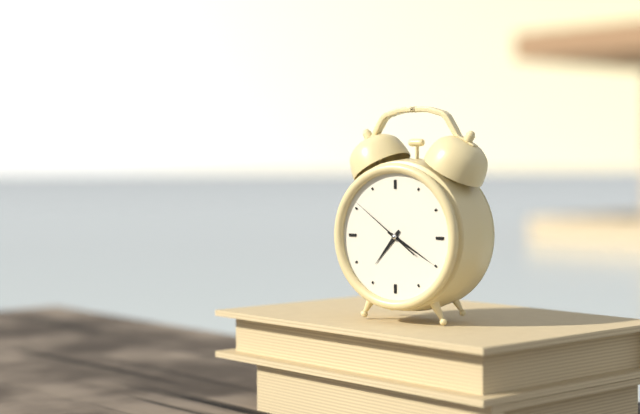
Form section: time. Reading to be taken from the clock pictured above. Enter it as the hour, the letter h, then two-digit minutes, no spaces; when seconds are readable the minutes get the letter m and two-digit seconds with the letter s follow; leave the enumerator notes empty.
7h20m51s
